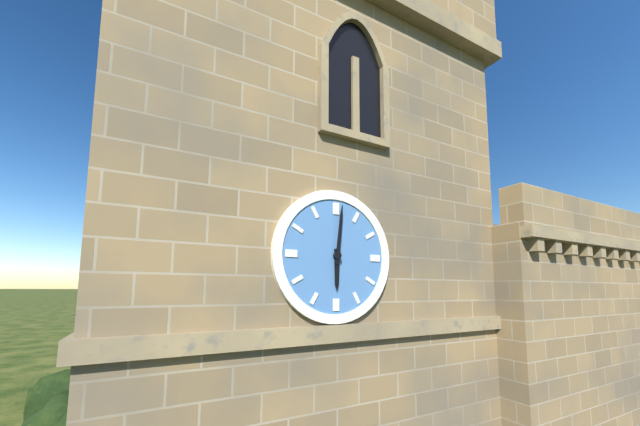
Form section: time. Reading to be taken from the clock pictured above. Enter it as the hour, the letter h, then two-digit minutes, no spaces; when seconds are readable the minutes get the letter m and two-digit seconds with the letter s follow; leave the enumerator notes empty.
6h01
